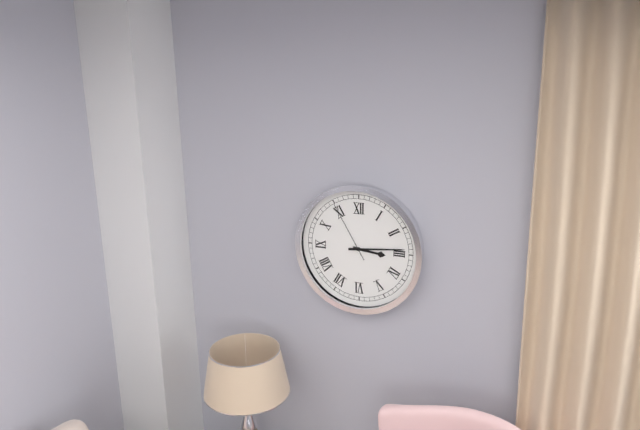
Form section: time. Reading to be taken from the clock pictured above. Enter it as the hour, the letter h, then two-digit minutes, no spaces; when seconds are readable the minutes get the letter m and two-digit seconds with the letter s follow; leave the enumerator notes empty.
3h14m55s
